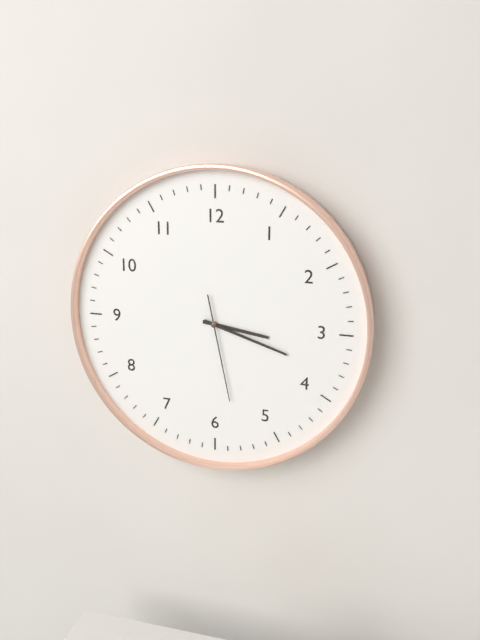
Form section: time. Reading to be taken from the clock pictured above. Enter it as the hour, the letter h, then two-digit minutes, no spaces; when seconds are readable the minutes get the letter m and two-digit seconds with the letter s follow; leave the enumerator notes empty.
3h18m28s
